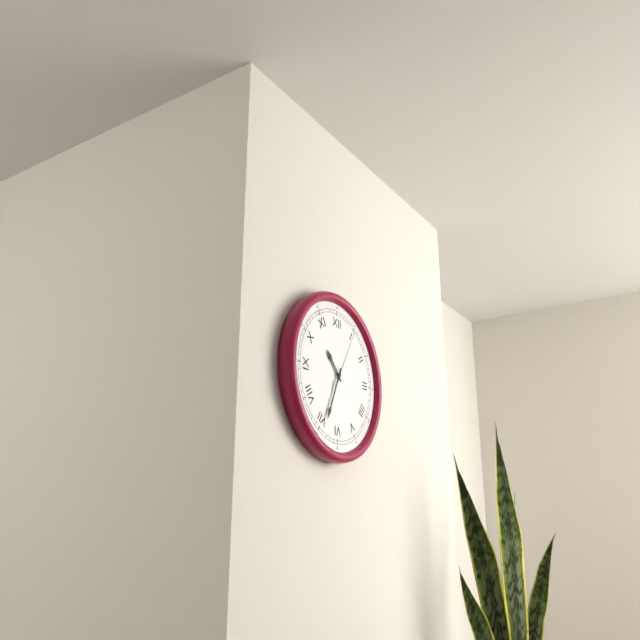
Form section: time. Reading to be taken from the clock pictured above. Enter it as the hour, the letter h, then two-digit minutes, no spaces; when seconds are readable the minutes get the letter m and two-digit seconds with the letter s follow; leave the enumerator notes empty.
10h34m05s
